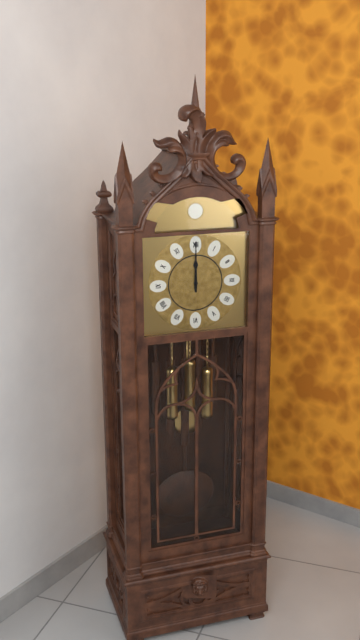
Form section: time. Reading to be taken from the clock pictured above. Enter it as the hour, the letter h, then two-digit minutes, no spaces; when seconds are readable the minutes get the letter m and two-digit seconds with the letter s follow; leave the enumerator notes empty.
12h00
